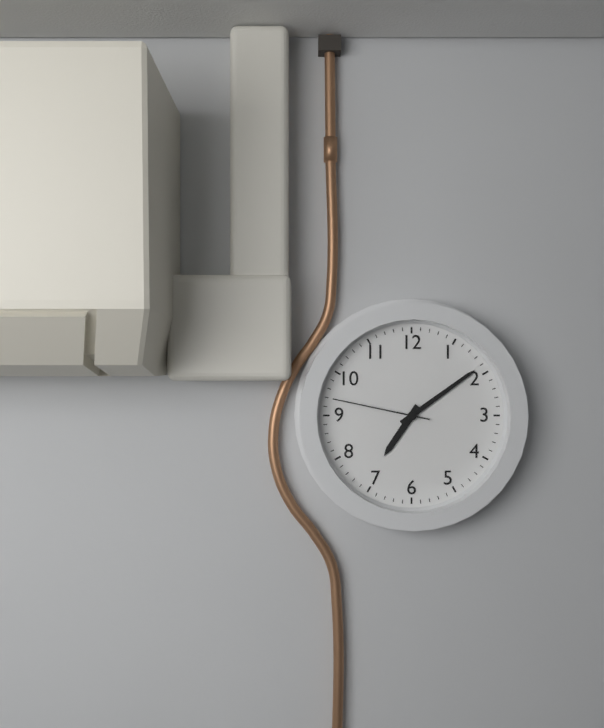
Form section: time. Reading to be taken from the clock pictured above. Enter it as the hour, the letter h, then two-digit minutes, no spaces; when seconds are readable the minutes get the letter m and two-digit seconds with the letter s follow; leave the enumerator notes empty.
7h09m47s
